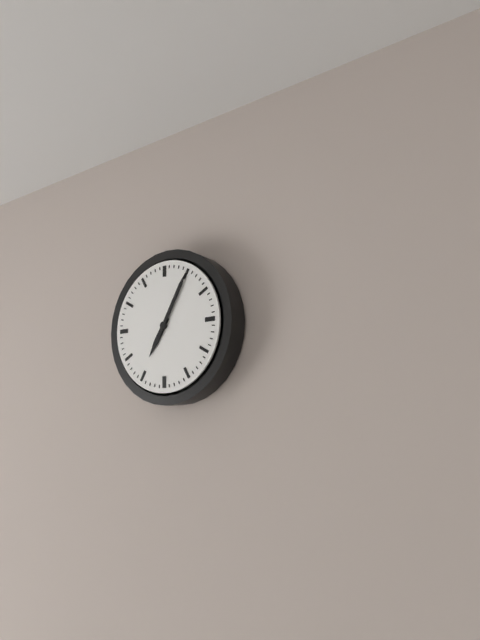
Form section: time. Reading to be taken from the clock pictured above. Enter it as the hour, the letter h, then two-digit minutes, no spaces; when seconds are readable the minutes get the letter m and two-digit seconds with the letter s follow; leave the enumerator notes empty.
7h05
